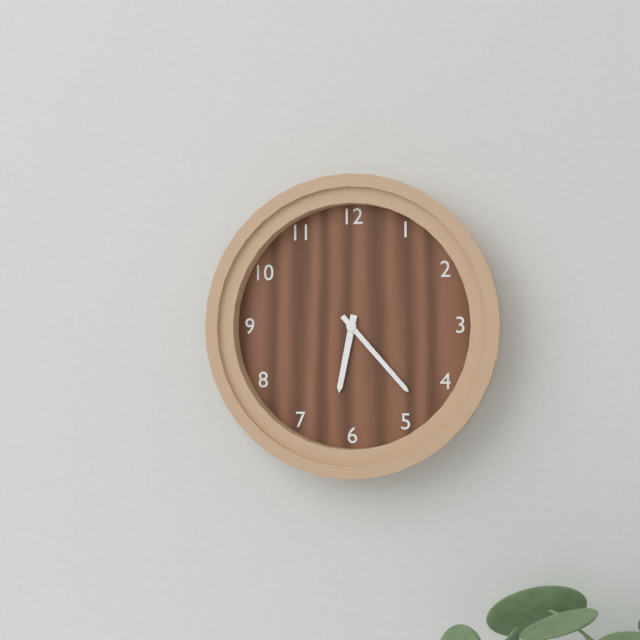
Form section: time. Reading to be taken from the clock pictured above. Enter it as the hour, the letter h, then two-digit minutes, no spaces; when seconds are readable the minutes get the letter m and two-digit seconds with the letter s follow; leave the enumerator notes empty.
6h23
